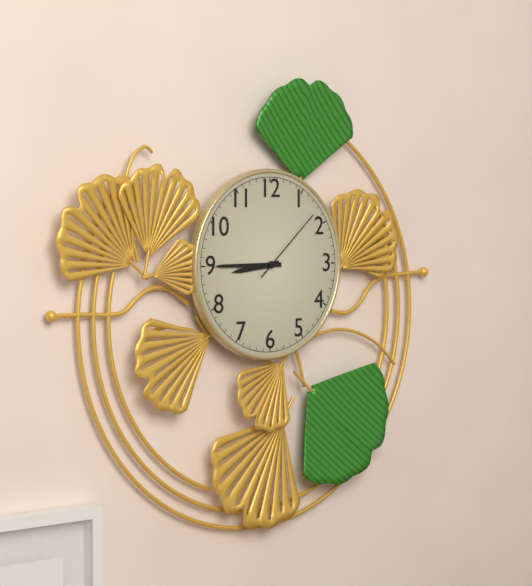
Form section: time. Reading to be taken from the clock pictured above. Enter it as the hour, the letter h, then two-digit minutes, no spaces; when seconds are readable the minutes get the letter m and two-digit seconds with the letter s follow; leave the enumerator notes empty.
8h45m08s
